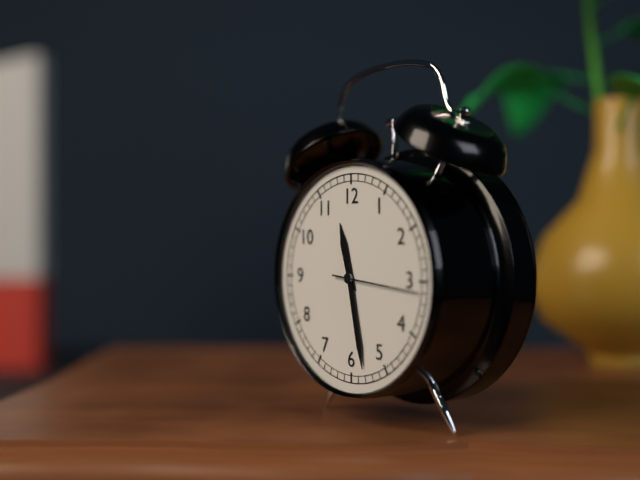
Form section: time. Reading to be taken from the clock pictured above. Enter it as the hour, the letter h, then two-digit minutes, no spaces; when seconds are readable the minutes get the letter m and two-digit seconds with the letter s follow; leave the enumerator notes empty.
11h28m16s
